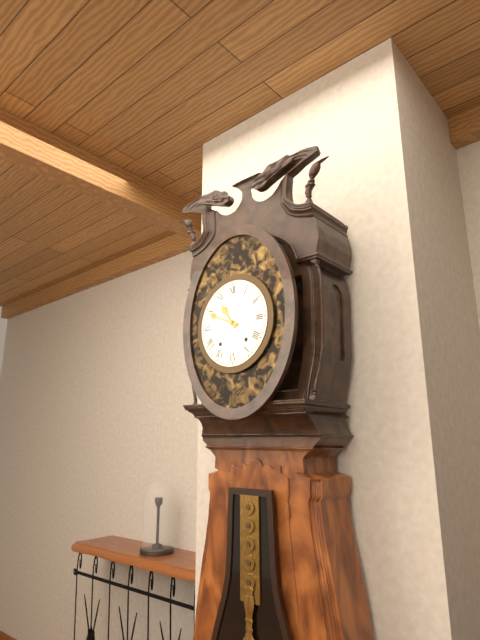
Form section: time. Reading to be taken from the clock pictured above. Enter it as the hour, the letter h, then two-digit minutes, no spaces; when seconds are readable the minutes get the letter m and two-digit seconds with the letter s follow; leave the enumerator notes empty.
10h49
